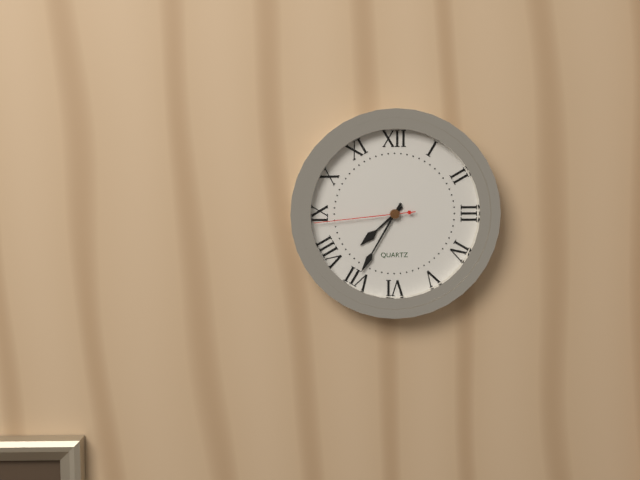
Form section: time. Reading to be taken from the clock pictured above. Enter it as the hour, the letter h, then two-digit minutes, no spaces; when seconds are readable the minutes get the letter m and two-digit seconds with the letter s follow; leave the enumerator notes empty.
7h35m44s
